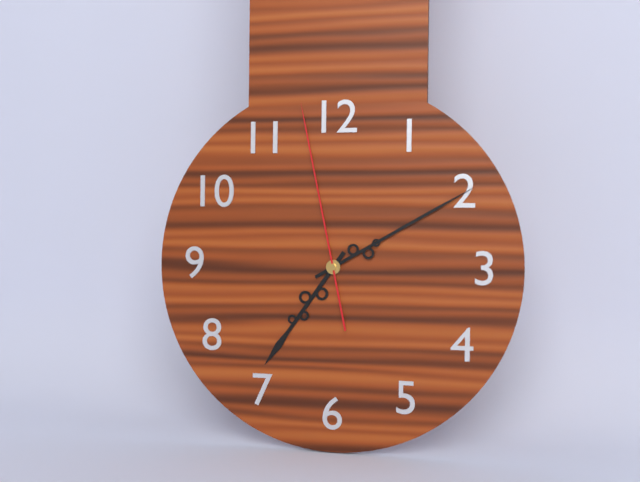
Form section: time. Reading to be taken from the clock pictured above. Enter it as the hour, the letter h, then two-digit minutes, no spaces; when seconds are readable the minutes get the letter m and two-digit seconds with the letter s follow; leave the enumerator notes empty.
7h10m58s
